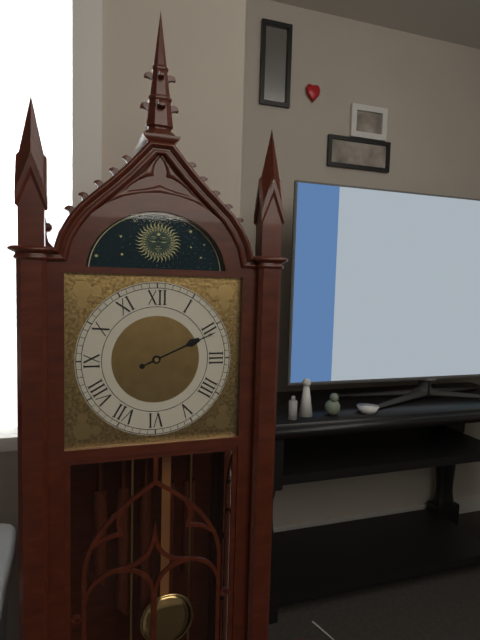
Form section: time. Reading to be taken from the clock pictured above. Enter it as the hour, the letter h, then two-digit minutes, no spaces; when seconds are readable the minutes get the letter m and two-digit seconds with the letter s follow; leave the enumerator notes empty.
2h11
